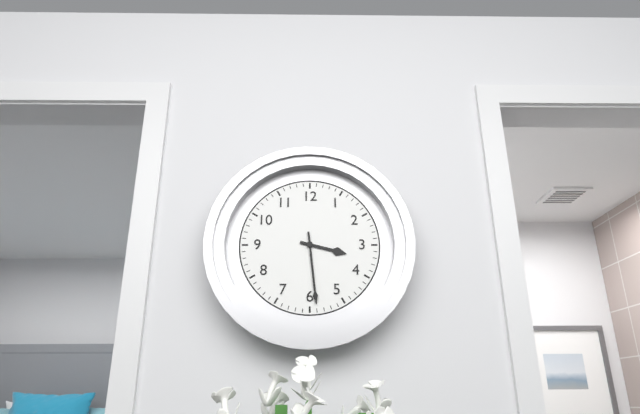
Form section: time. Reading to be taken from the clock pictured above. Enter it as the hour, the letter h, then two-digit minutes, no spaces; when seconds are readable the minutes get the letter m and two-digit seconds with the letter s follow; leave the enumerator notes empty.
3h29
